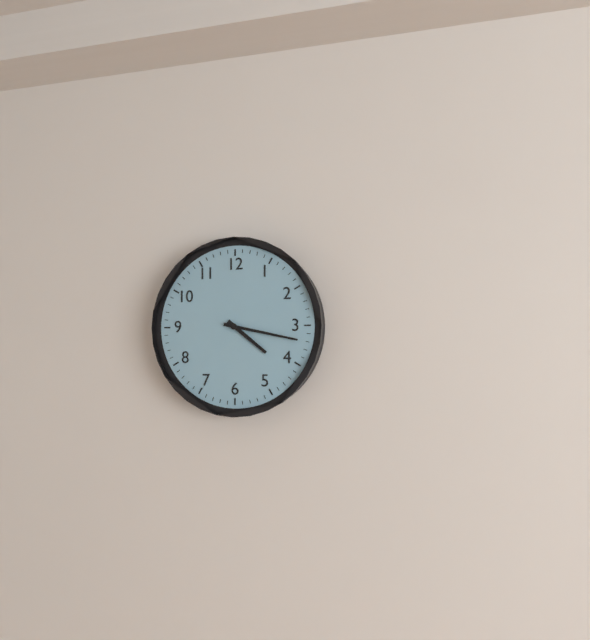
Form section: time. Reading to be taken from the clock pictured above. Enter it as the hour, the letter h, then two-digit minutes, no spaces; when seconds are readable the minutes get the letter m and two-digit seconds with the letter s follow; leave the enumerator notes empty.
4h17
